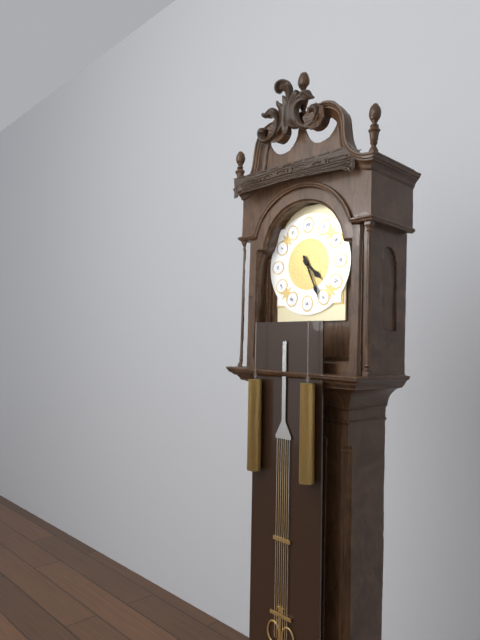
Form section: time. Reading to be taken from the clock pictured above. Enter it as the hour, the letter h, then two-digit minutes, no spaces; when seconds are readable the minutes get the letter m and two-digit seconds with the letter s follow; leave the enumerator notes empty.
4h26
